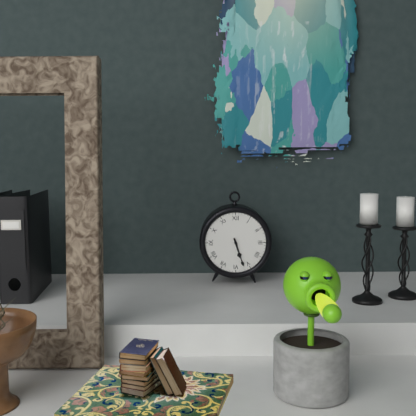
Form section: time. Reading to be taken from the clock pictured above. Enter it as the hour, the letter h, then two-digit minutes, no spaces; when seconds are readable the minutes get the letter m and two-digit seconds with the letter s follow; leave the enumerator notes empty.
5h27
